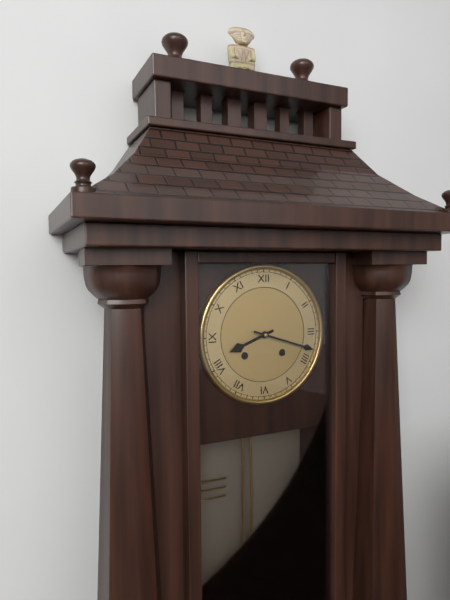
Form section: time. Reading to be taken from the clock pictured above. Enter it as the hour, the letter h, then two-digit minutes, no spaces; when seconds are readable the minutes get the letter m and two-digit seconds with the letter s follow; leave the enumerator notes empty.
8h18
